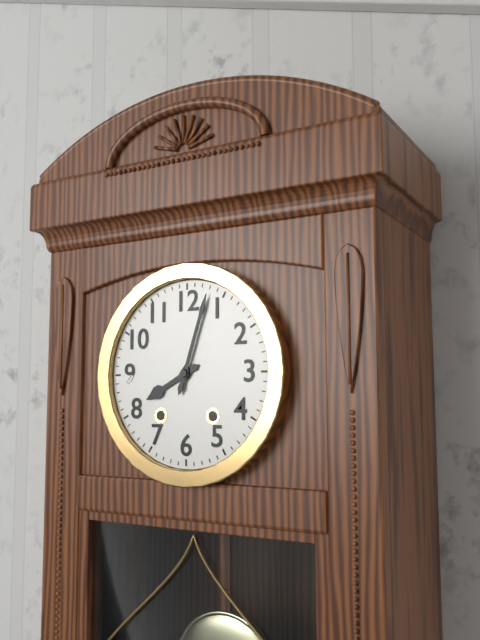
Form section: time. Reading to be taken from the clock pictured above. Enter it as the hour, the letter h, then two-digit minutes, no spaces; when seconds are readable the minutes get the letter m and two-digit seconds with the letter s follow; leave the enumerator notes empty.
8h03
